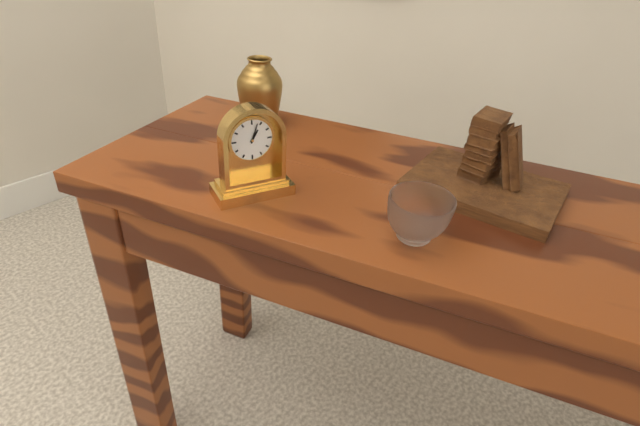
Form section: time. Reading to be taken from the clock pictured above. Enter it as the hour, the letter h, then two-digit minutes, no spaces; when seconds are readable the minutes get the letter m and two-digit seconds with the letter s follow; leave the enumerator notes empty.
1h03
